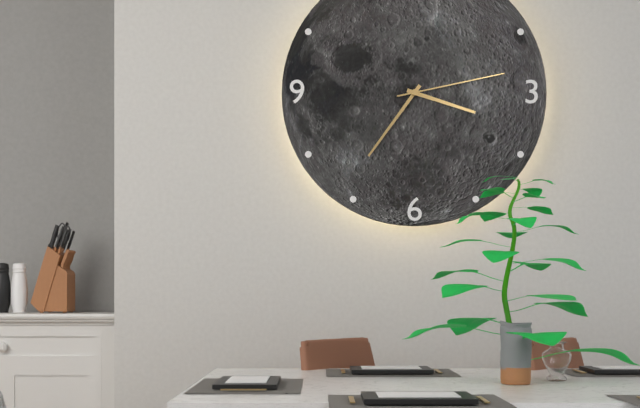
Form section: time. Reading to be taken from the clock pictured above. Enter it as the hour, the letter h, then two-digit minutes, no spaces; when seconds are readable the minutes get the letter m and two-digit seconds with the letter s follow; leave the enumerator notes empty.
3h36m13s
